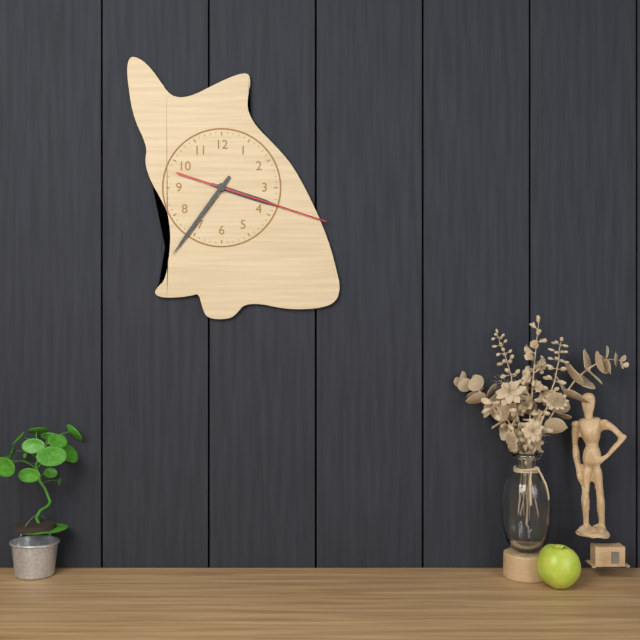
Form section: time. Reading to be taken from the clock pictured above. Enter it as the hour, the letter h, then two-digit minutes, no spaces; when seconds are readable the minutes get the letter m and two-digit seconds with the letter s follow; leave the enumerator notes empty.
3h36m18s
